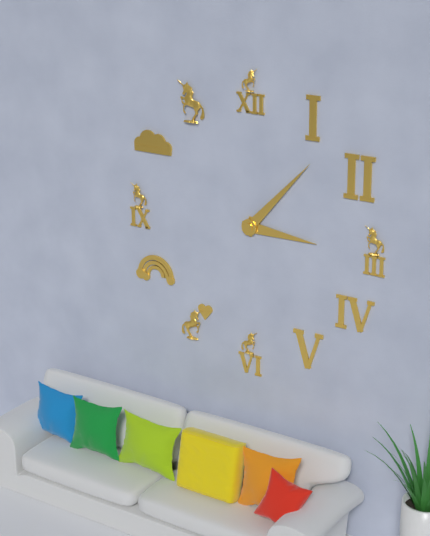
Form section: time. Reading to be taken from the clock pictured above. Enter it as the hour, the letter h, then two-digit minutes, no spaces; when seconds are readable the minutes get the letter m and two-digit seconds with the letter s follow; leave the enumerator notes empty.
3h07
